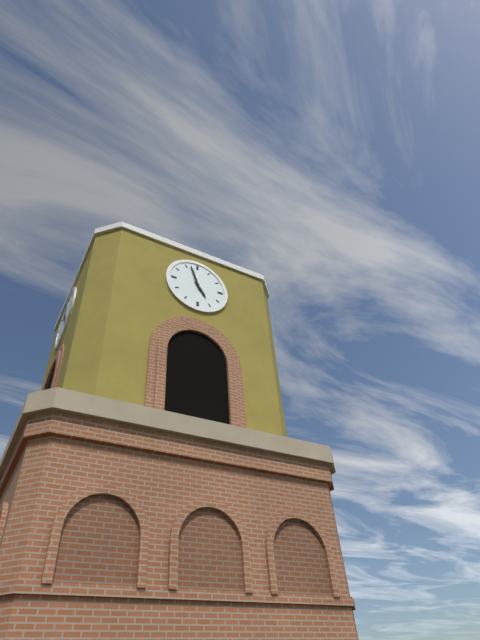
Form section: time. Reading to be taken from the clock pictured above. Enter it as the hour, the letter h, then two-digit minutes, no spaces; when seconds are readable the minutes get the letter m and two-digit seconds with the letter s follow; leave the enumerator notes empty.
4h57
